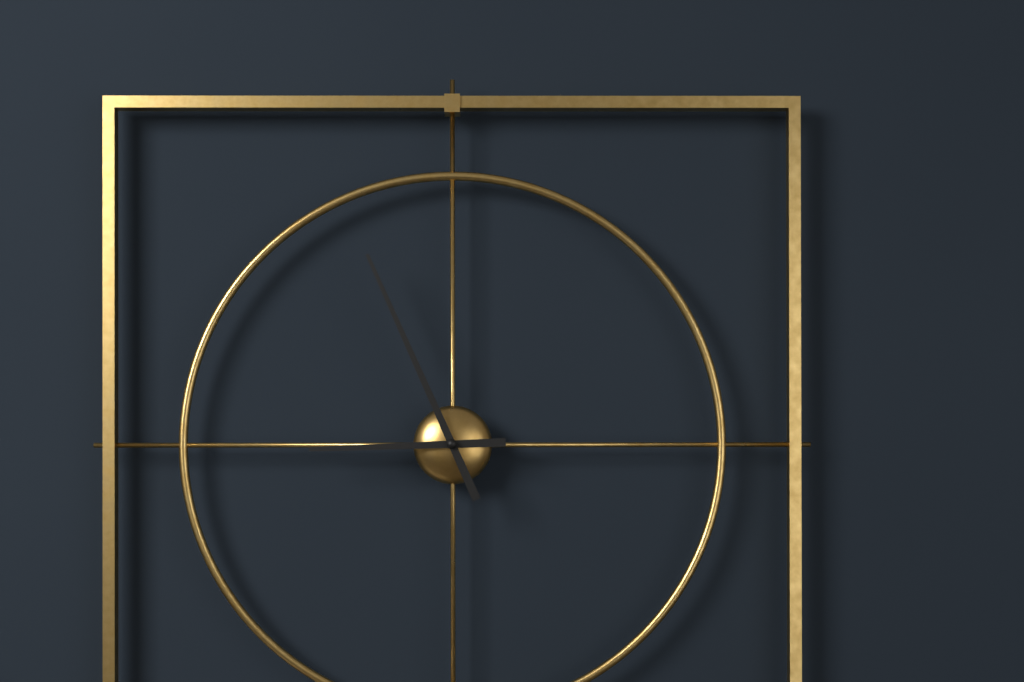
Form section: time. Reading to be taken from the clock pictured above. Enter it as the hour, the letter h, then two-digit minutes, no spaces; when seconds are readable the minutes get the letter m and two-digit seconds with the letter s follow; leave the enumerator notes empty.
8h56
